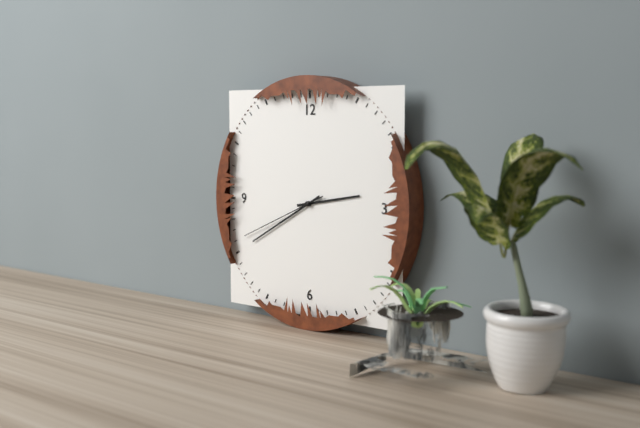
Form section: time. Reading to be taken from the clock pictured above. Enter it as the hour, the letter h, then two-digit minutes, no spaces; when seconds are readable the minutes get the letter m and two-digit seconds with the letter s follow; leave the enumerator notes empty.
2h40m41s
